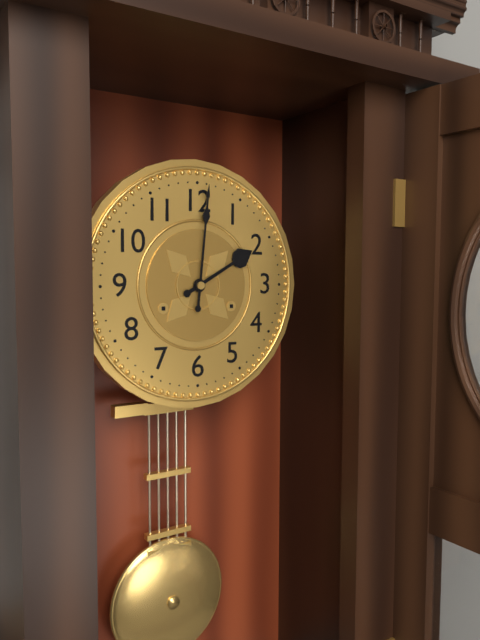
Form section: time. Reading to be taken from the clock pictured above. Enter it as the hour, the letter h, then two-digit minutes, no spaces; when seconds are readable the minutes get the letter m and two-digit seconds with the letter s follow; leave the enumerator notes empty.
2h01
